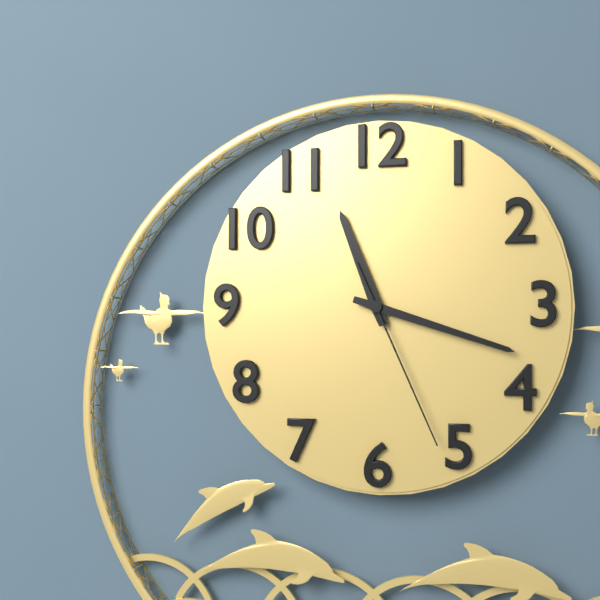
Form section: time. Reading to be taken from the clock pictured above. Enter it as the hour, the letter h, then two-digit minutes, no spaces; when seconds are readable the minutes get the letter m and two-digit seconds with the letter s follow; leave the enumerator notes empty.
11h18m26s
